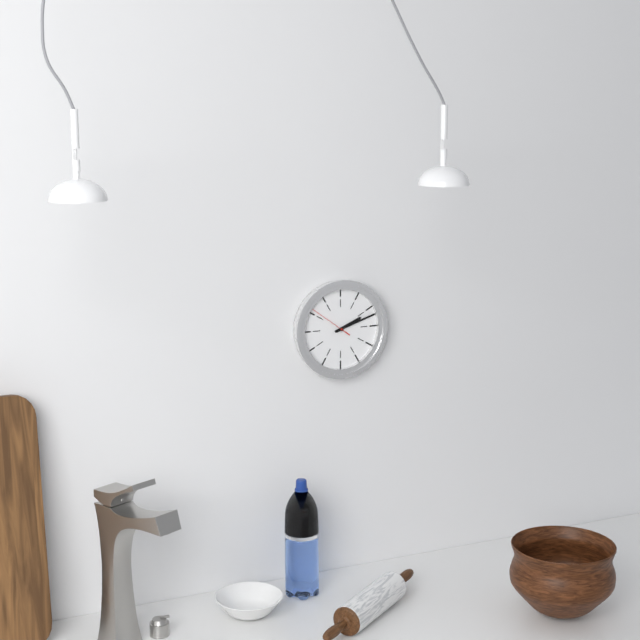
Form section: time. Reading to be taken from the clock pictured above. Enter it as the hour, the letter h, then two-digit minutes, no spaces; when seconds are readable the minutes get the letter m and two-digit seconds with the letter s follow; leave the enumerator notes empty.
2h12
